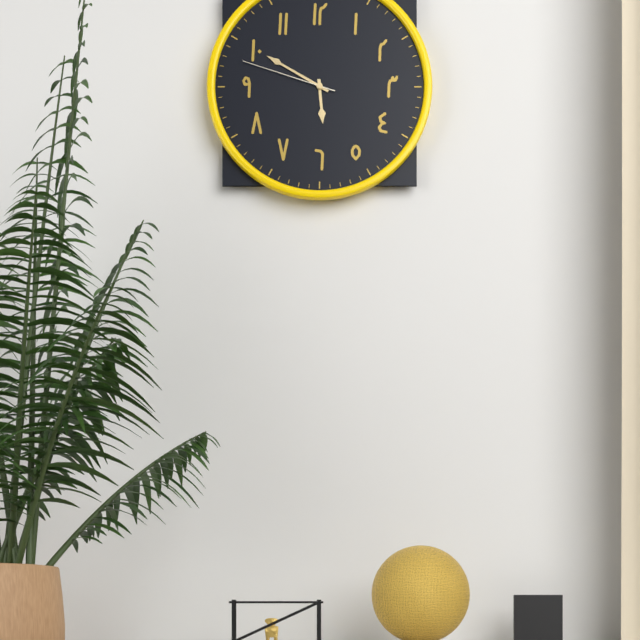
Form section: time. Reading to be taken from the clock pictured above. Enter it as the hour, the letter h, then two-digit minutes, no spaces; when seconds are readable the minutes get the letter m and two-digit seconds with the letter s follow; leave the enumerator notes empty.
5h50m48s
